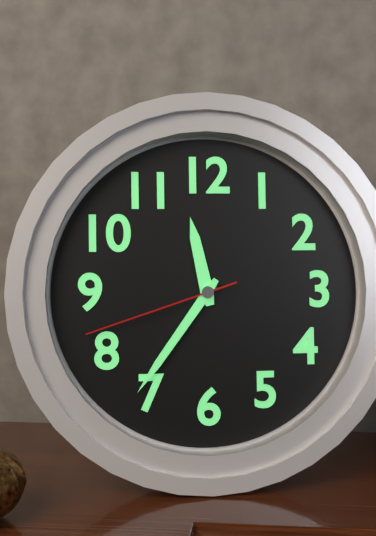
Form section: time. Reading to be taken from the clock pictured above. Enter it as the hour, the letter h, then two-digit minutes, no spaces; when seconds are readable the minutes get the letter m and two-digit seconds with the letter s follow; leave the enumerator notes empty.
11h36m42s
